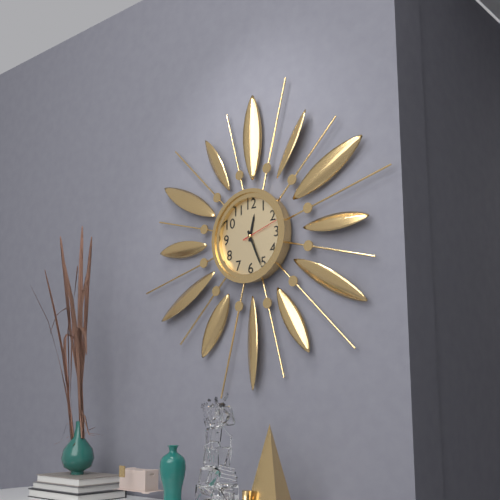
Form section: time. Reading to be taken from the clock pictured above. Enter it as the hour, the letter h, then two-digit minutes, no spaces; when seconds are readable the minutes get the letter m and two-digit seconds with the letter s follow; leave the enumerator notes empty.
12h26
